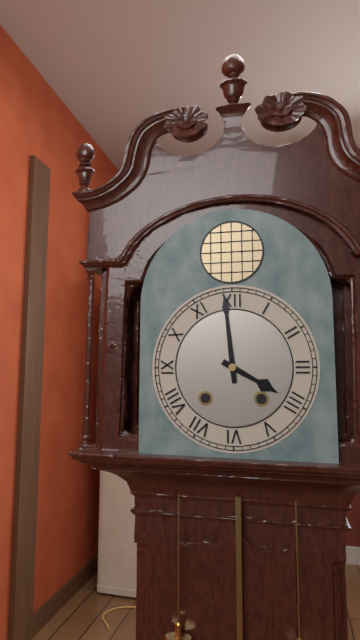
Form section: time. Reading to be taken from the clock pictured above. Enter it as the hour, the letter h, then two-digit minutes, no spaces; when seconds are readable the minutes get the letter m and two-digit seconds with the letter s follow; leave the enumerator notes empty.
3h59
